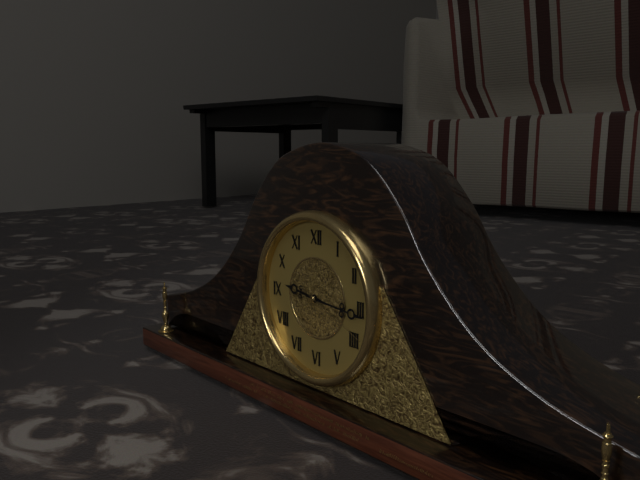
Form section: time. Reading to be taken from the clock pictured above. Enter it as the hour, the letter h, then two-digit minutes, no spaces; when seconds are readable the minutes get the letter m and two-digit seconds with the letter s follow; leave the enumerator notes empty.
9h16m19s
